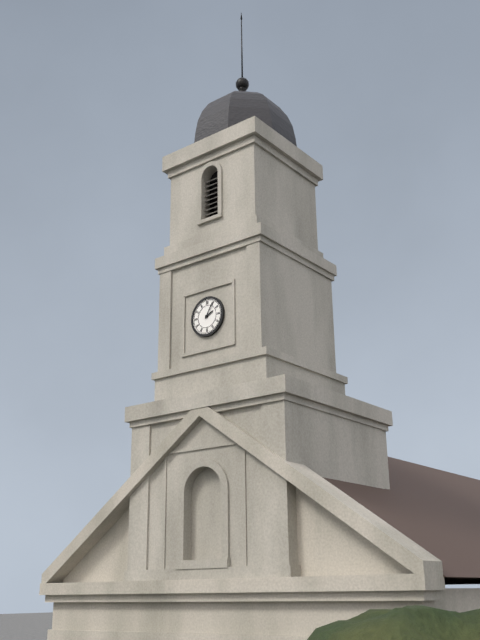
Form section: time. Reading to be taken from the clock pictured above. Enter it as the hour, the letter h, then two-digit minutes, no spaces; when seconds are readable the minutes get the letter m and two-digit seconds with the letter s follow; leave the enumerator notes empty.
2h05
